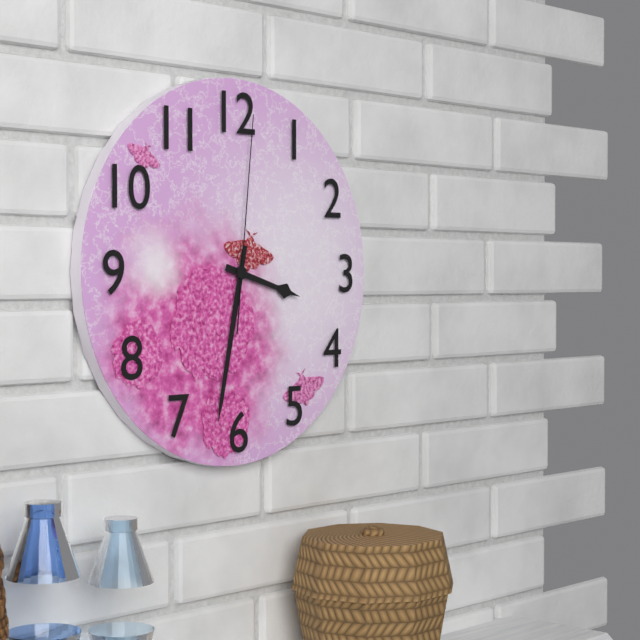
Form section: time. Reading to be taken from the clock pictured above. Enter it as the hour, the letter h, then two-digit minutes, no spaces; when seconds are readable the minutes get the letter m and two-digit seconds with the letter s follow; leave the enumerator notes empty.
3h32m01s
